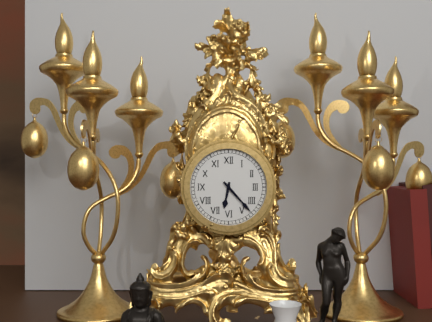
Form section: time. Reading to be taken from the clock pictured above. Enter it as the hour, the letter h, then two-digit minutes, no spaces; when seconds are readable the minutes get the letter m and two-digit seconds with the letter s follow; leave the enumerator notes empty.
6h23
